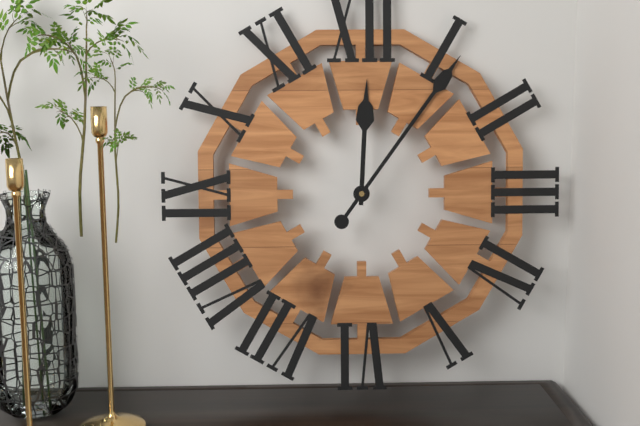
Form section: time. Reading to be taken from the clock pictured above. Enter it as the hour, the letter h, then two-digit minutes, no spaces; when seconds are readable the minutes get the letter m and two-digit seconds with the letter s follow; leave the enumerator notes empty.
12h06
